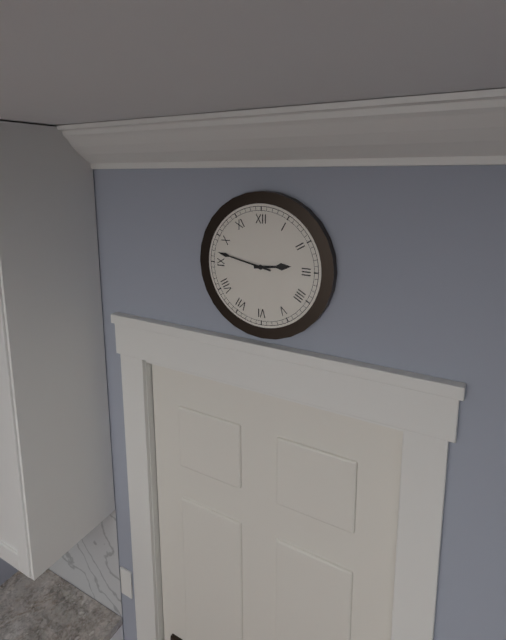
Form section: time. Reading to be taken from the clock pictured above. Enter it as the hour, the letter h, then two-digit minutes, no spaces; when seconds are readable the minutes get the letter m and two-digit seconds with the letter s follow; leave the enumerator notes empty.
2h47
